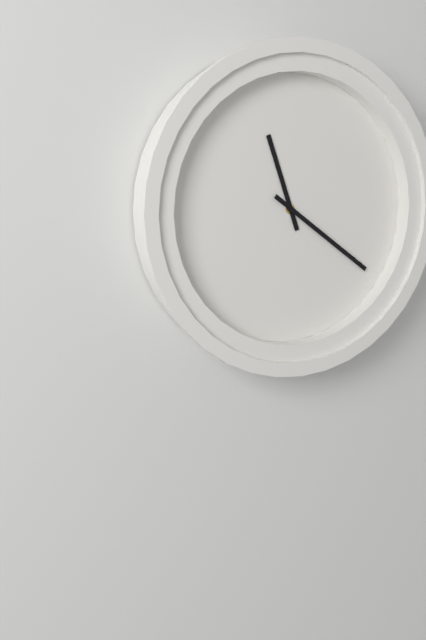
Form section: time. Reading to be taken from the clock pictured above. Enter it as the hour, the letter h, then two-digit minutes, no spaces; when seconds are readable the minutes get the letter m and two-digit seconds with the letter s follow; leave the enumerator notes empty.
11h21
